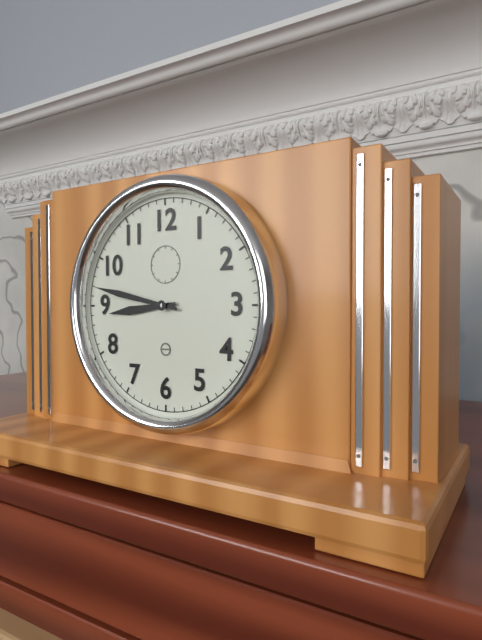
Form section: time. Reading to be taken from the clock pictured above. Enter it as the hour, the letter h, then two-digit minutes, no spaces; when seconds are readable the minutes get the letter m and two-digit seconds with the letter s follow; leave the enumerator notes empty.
8h47
